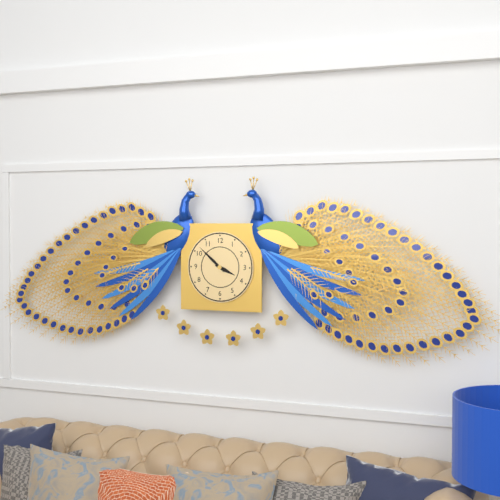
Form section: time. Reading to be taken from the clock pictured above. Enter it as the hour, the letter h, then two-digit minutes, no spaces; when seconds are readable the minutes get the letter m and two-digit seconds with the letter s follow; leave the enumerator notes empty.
3h52
